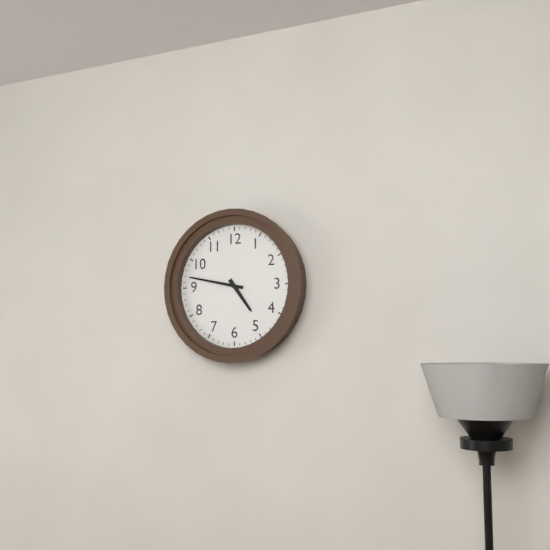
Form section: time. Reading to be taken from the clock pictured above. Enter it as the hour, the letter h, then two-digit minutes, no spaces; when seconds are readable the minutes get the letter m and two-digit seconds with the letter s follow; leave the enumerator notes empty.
4h47
